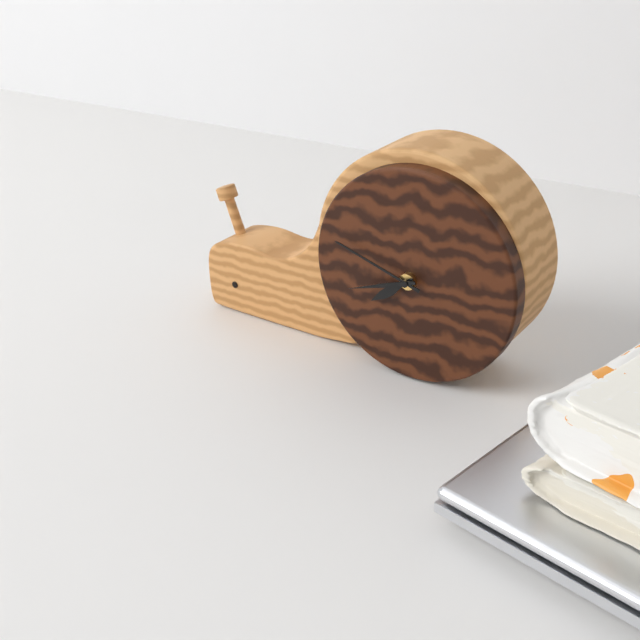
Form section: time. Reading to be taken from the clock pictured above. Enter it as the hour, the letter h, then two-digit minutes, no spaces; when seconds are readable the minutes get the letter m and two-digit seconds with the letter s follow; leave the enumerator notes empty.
7h48m42s
